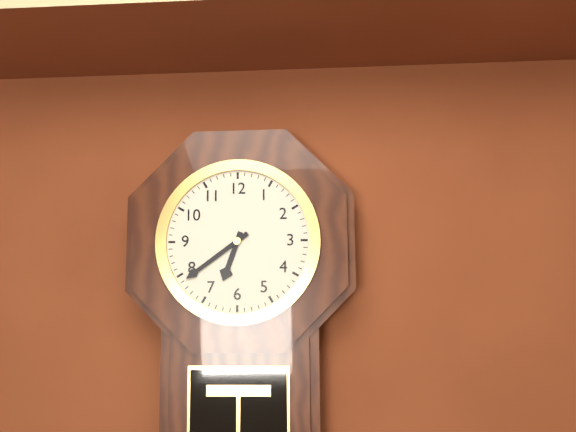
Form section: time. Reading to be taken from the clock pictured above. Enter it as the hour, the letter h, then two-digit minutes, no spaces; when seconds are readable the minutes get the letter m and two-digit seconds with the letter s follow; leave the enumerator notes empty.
6h39
